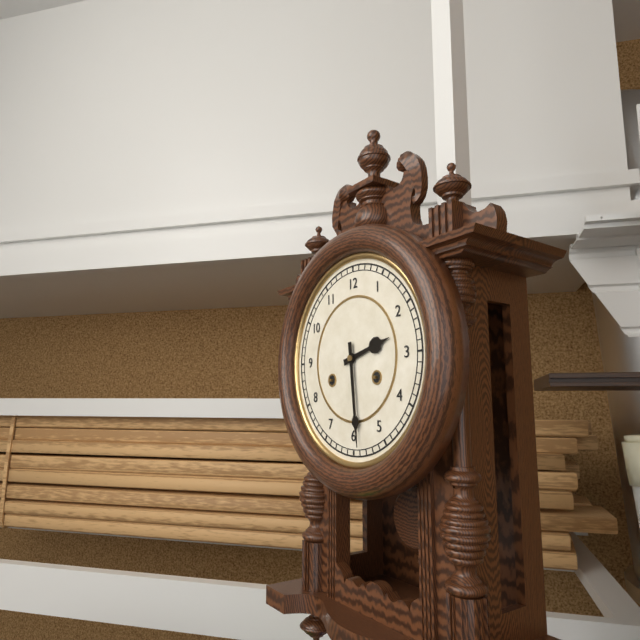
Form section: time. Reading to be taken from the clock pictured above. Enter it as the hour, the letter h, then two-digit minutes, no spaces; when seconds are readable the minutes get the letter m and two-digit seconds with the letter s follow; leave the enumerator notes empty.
2h29
